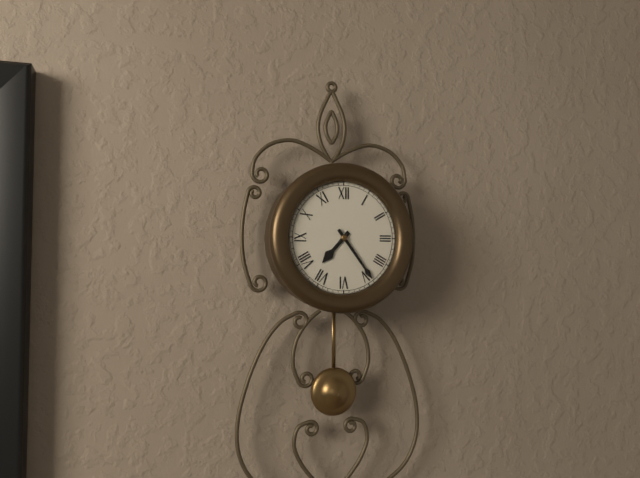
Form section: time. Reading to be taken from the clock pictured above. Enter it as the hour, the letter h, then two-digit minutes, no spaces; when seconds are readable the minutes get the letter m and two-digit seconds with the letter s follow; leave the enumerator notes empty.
7h24
